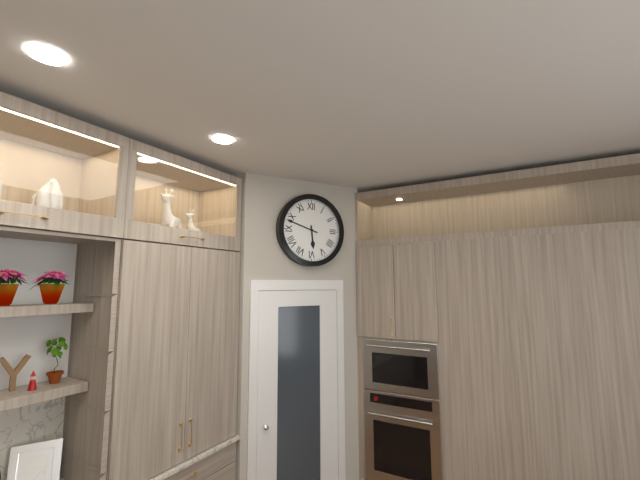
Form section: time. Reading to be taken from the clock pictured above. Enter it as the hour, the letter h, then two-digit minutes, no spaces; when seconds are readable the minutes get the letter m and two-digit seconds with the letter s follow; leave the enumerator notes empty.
5h48
